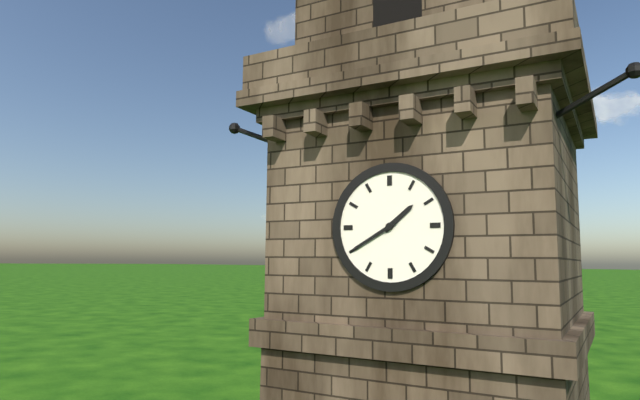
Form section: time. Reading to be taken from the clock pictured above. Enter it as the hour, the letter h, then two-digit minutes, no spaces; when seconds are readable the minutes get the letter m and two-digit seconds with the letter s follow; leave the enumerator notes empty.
1h40
